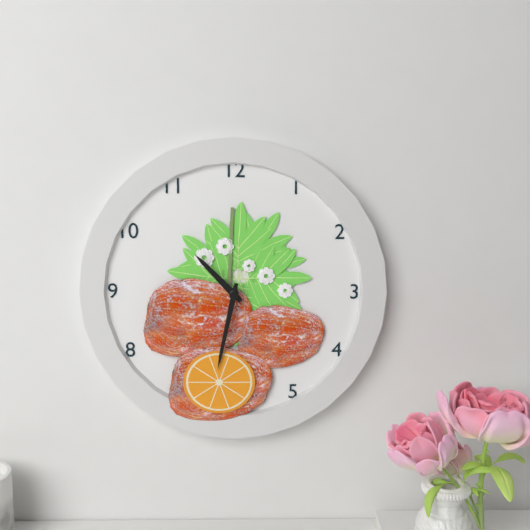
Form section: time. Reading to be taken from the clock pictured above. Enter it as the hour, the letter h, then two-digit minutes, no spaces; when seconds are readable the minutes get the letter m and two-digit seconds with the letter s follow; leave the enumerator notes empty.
10h32
